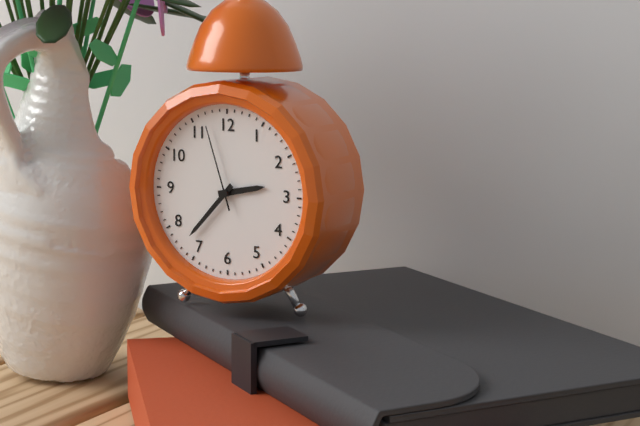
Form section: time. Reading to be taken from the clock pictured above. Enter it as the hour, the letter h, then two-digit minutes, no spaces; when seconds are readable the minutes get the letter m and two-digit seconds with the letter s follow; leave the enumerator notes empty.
2h37m57s
